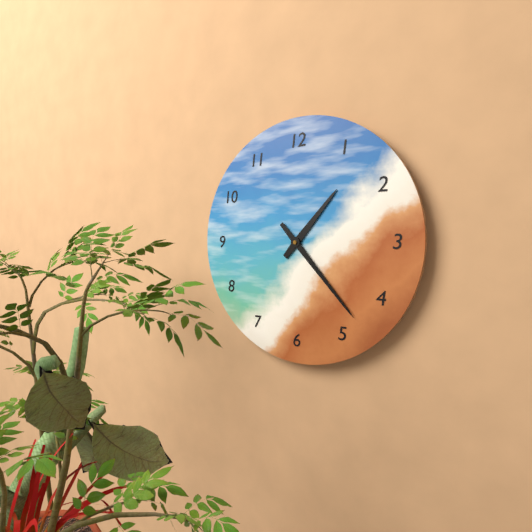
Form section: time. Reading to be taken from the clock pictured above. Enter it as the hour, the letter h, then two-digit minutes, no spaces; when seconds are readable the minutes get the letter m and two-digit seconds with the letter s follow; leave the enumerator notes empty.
1h23
